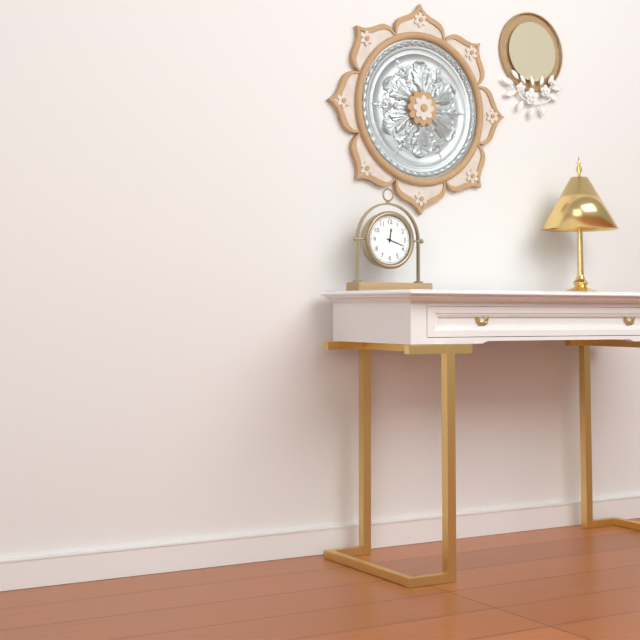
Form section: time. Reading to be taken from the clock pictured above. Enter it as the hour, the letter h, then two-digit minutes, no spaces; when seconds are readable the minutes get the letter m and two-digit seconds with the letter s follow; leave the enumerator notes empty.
12h18
